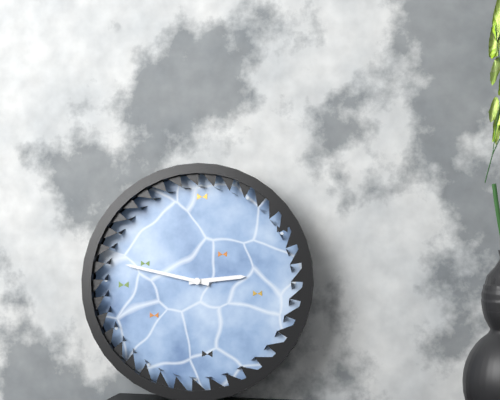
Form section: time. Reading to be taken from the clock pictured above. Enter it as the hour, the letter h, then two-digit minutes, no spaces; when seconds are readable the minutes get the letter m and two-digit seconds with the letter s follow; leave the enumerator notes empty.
2h47
